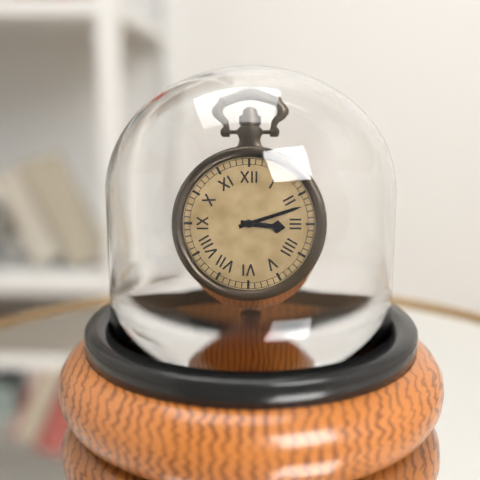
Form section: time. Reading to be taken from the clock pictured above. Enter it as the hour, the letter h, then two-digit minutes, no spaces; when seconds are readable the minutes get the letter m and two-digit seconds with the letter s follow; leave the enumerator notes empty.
3h12
